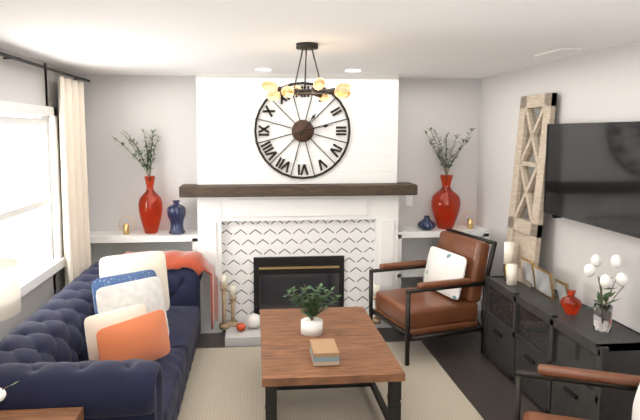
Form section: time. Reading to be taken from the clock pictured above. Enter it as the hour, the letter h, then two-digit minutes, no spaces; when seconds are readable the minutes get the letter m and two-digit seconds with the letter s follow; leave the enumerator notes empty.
1h13
